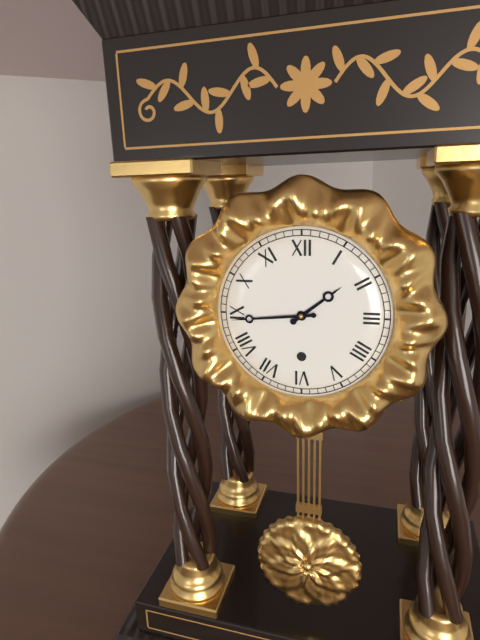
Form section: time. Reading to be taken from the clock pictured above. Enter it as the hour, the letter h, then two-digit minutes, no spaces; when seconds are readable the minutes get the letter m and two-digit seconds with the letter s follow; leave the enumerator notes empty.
1h44
